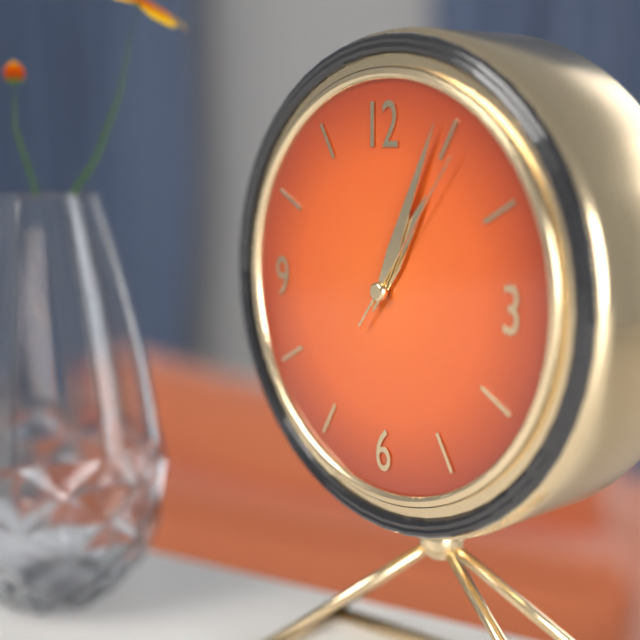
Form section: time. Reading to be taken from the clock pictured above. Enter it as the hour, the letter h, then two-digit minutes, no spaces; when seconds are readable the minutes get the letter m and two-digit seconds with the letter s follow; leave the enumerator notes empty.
1h04m06s
